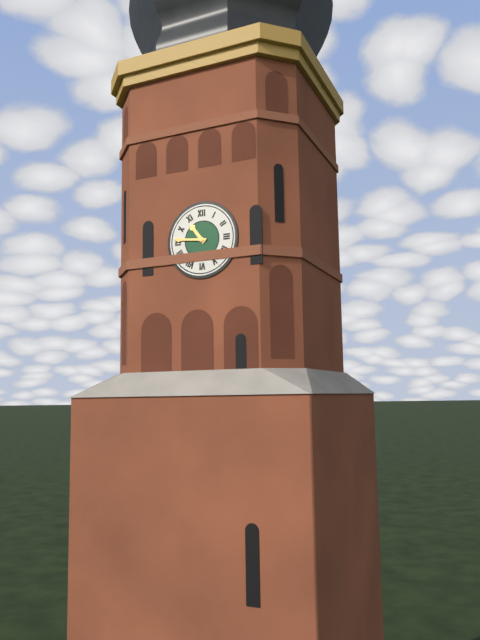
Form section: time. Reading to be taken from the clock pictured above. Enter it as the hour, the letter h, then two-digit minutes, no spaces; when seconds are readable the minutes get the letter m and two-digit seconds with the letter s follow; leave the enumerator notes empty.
10h46
